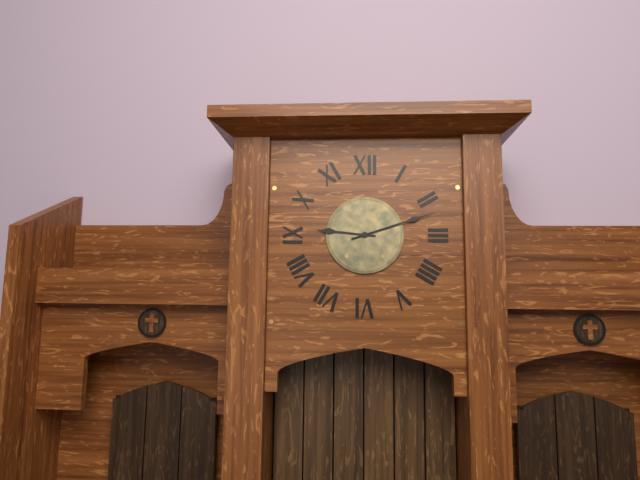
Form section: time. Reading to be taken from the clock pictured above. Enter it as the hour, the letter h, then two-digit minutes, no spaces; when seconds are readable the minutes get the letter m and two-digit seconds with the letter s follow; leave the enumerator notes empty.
9h12
